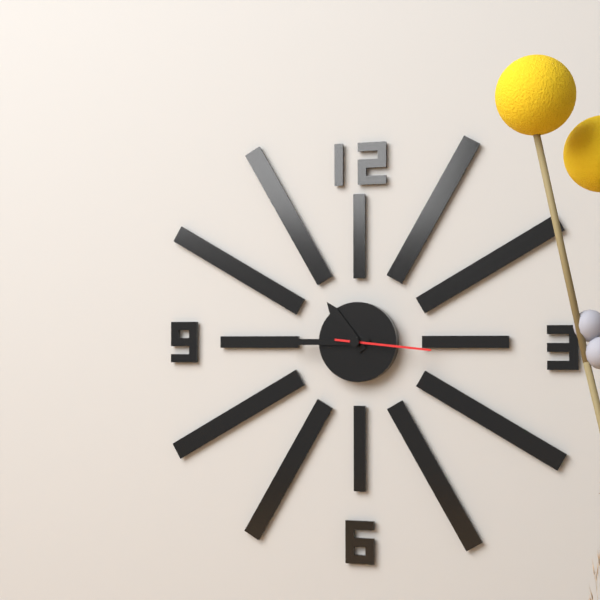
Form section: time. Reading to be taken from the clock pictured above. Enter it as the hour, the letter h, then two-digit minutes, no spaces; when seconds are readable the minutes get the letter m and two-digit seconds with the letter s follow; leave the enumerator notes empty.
10h45m16s
